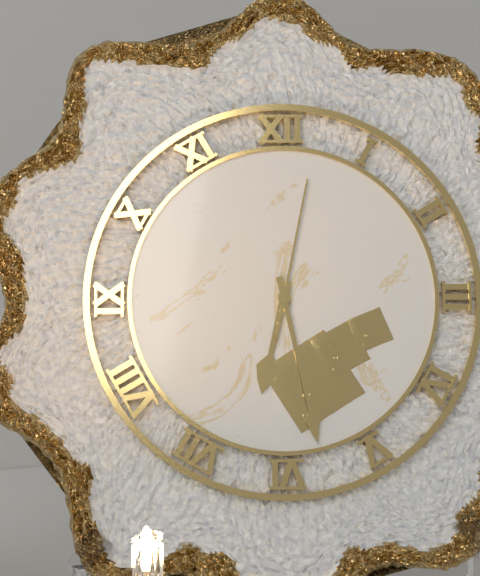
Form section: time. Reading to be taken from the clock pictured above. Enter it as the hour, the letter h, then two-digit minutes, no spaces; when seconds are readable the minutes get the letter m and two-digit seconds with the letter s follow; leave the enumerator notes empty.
6h28m02s
